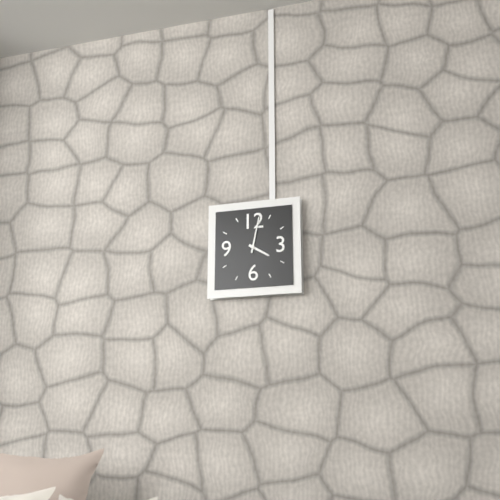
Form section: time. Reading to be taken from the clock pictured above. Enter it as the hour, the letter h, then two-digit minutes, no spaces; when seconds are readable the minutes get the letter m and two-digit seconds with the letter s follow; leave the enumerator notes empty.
4h02
